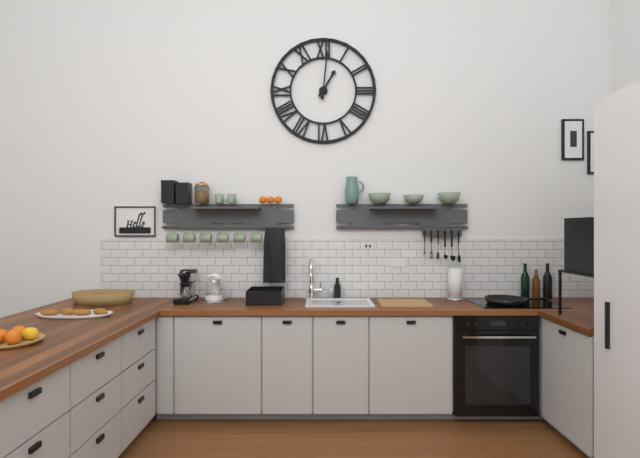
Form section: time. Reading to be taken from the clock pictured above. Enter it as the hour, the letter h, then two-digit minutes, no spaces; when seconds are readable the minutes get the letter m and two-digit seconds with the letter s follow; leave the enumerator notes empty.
1h01
